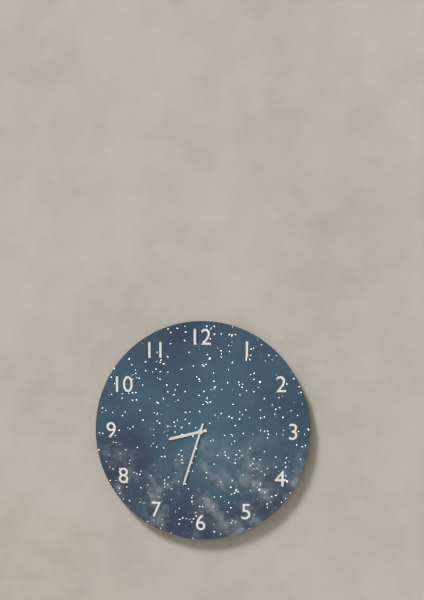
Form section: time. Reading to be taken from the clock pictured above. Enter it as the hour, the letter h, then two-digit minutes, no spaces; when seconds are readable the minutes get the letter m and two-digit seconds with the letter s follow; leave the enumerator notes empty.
8h33
